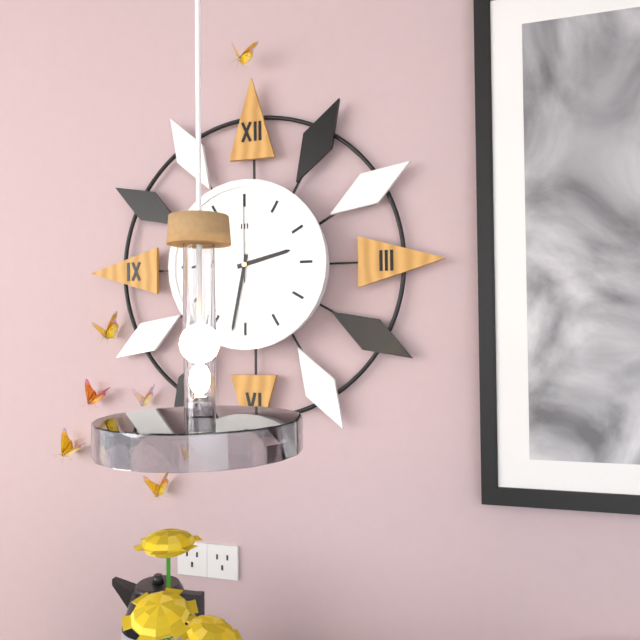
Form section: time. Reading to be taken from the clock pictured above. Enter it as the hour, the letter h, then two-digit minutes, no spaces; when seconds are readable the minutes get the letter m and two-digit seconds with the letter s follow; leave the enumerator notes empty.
2h32m00s
